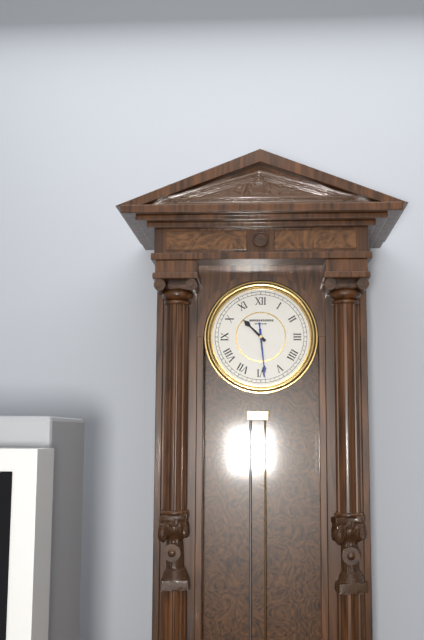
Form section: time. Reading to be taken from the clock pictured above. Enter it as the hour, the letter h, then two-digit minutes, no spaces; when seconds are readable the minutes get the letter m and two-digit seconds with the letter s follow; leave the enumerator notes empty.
10h29m29s
